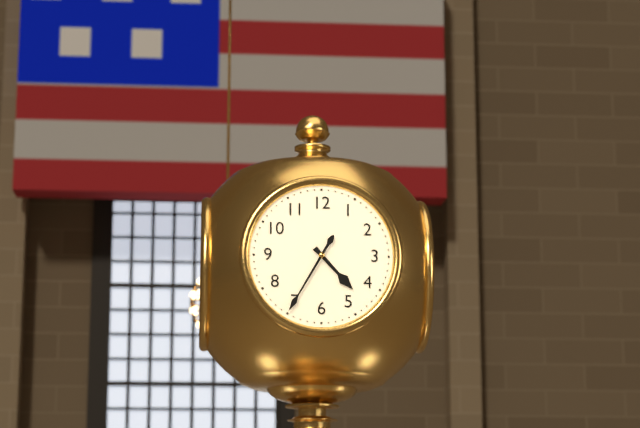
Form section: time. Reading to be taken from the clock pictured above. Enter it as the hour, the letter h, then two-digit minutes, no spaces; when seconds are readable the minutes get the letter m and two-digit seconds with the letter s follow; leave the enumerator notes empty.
4h35
